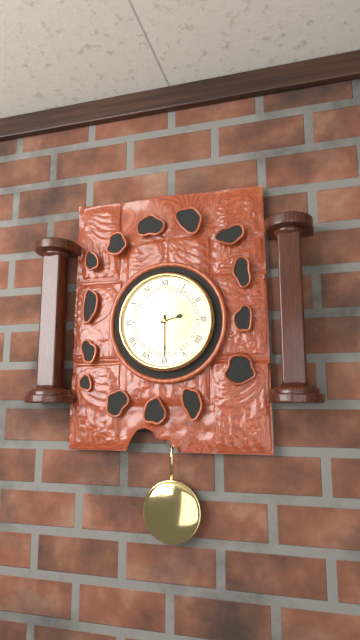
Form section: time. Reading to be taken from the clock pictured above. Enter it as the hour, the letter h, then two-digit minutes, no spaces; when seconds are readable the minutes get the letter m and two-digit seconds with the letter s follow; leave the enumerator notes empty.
2h30
